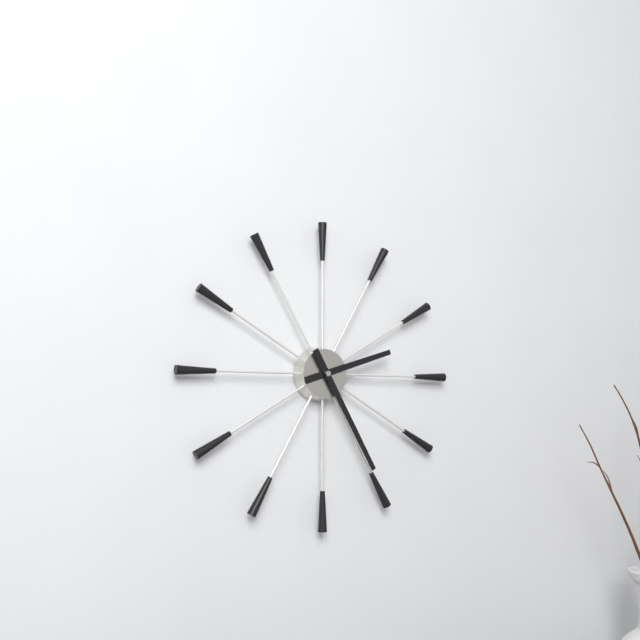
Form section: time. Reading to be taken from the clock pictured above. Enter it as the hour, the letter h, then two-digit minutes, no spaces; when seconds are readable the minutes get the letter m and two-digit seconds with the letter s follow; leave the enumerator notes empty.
2h25
